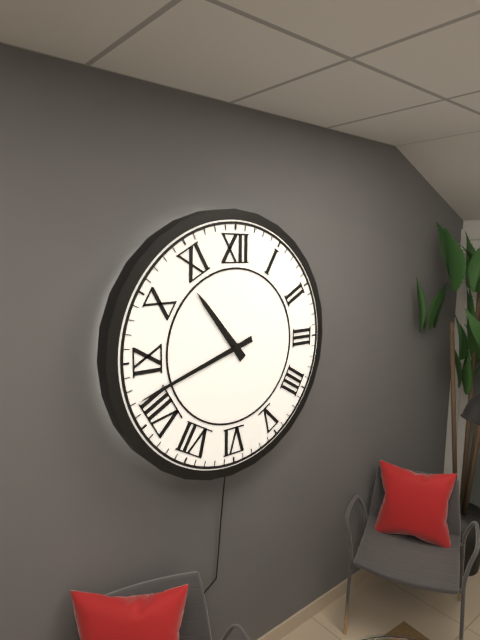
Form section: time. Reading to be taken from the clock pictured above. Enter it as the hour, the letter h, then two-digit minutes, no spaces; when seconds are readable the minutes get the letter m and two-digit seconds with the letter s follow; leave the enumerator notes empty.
10h42
